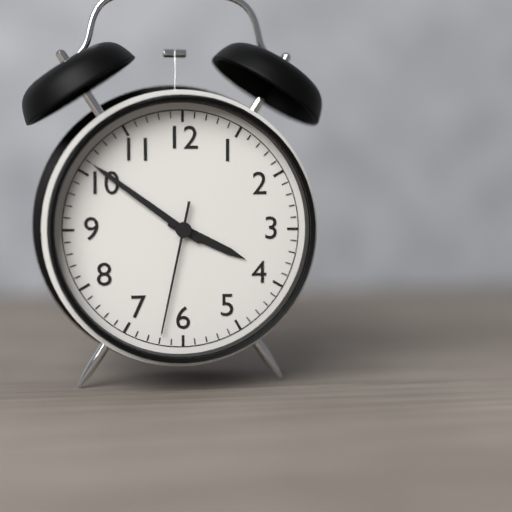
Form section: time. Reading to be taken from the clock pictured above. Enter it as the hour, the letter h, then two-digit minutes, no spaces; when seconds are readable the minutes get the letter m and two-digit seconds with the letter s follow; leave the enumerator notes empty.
3h51m32s
